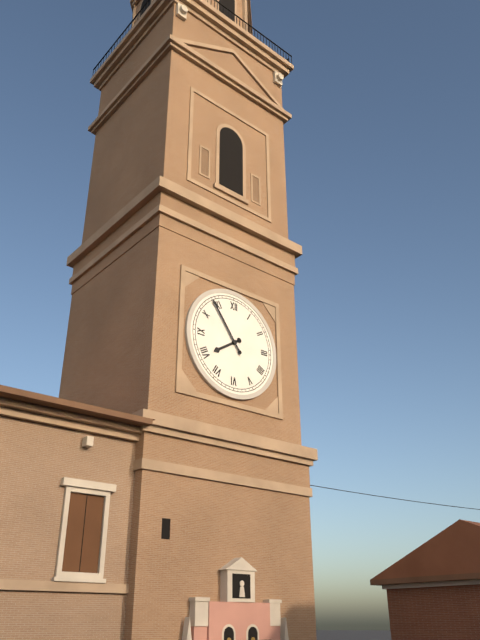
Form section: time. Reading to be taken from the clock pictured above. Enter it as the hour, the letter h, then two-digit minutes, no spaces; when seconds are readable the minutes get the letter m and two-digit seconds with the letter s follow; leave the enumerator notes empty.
7h54
